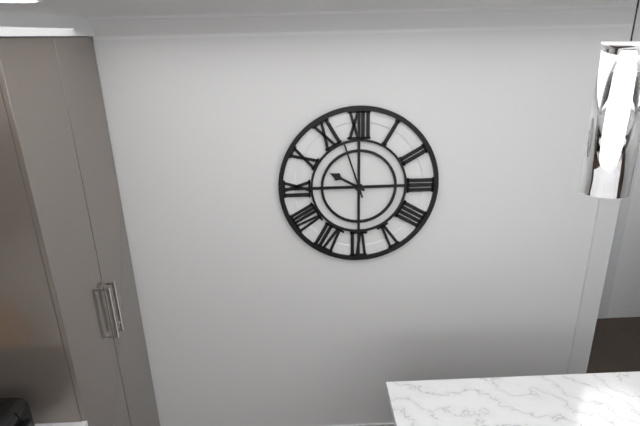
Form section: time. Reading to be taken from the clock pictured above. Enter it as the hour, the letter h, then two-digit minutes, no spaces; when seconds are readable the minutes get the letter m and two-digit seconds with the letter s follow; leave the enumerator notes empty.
9h57m45s
